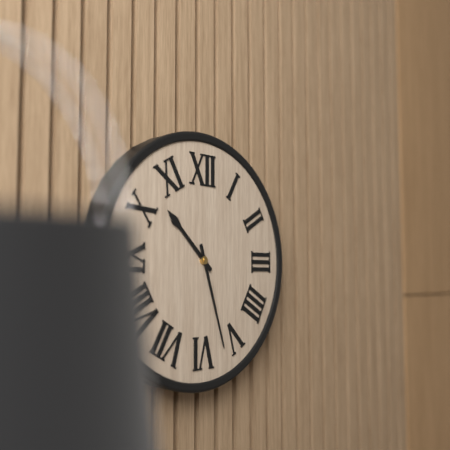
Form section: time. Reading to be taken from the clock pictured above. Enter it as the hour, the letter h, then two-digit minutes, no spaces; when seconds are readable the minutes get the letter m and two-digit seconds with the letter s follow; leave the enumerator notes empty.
10h27
